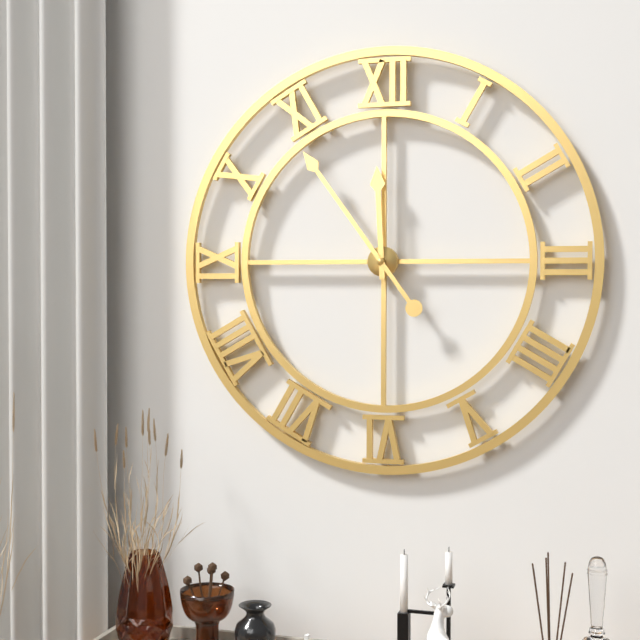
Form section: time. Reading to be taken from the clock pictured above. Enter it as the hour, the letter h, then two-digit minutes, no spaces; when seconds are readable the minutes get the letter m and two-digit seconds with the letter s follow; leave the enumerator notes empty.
11h54
